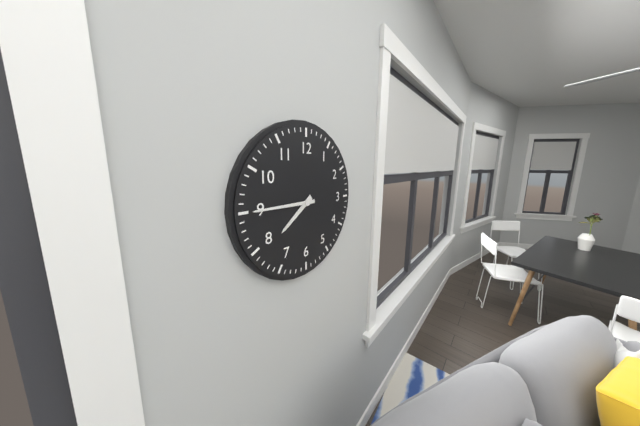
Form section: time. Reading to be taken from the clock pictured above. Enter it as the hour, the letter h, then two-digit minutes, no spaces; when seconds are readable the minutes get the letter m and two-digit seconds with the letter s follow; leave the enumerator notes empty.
7h45
